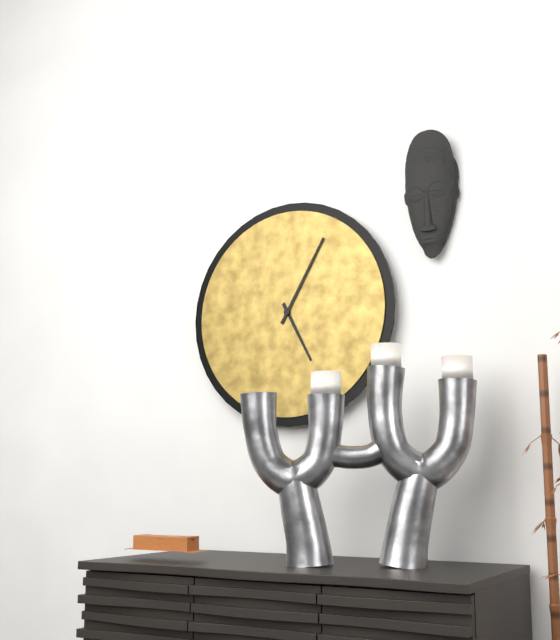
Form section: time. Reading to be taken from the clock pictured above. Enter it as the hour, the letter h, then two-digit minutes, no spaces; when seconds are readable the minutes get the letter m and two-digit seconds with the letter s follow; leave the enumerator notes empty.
5h05
